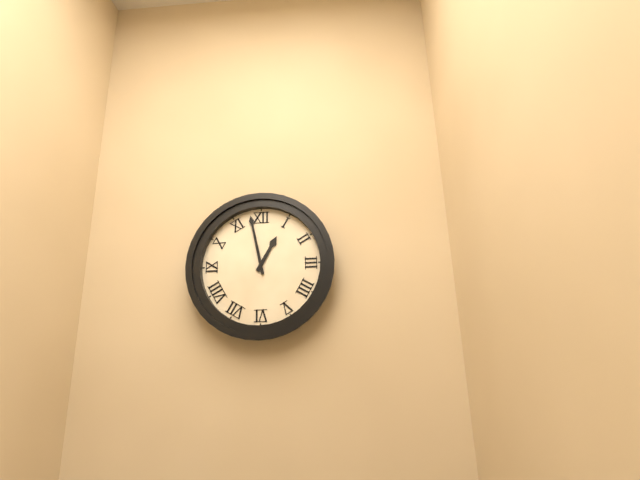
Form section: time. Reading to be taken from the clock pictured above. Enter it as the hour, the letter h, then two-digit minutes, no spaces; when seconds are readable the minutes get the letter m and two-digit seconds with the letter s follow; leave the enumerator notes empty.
12h58
